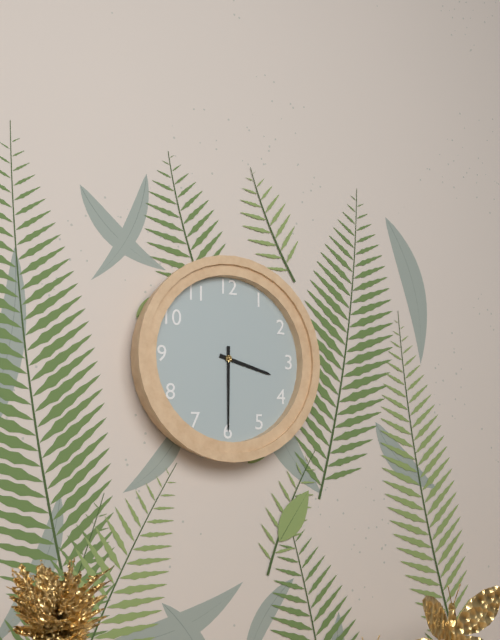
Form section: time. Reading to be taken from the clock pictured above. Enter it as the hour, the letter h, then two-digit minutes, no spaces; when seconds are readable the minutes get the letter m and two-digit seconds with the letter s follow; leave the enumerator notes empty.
3h30
